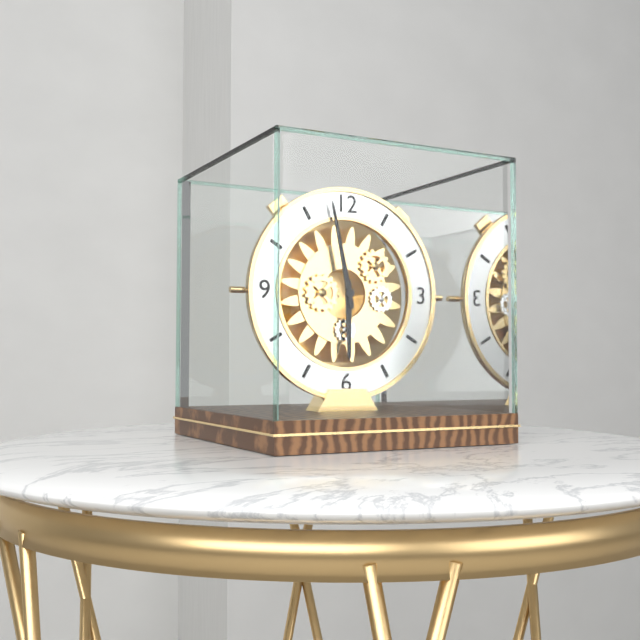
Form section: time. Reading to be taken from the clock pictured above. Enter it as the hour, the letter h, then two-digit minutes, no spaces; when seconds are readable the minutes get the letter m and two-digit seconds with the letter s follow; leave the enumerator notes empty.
5h58
